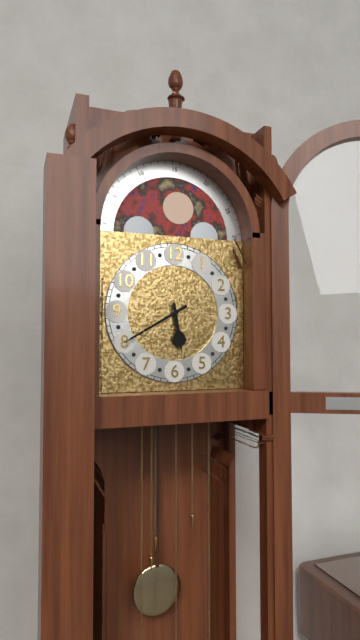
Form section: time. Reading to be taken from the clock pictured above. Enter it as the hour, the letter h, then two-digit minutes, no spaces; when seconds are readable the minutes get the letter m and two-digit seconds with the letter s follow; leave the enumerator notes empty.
5h40
